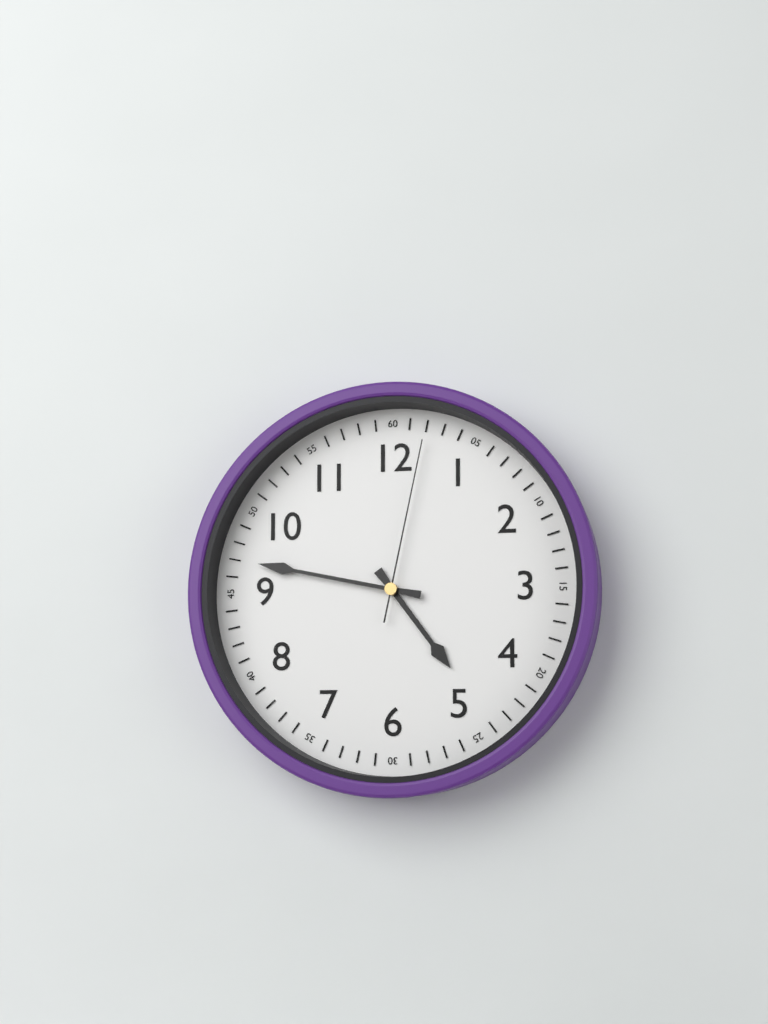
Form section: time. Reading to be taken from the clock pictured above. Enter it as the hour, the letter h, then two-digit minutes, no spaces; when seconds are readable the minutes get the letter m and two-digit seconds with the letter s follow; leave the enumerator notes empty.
4h47m02s
